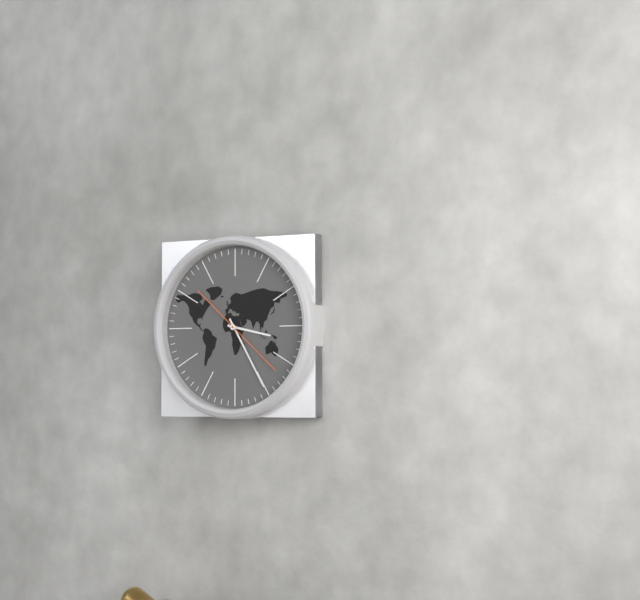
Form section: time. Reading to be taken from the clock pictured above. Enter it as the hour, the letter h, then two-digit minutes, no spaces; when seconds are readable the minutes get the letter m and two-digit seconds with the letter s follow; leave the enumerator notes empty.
3h25m22s
